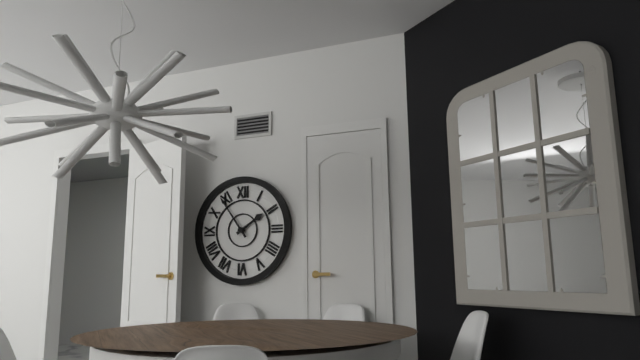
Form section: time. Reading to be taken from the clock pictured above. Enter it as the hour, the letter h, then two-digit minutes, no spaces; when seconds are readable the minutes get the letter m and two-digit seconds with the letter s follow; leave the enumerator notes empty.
1h54
